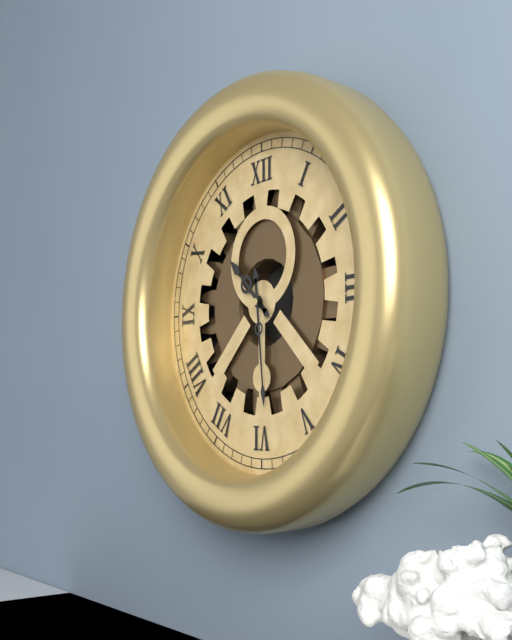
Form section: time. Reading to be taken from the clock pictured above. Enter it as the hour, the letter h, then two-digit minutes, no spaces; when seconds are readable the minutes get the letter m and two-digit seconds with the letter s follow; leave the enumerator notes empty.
10h29
